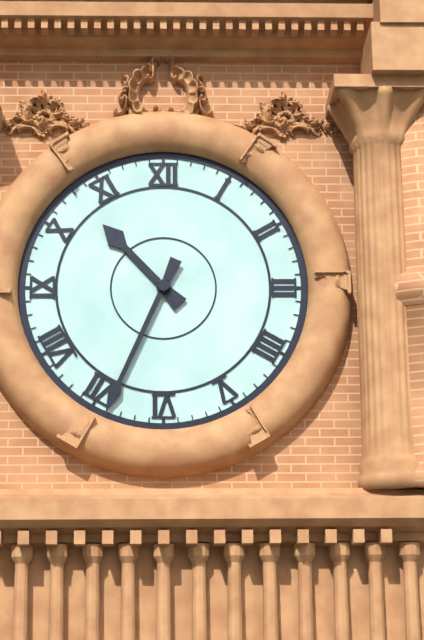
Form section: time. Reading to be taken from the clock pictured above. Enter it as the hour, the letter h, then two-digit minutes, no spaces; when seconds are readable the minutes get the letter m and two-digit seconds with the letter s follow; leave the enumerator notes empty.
10h34
